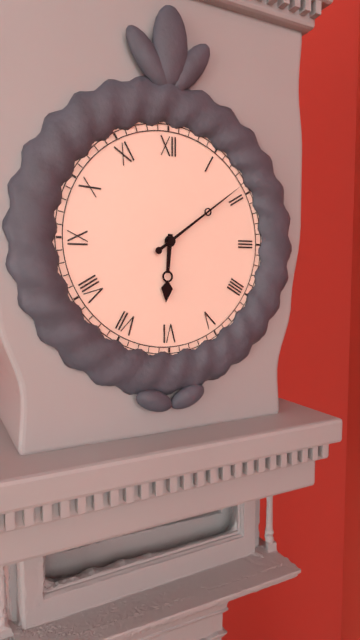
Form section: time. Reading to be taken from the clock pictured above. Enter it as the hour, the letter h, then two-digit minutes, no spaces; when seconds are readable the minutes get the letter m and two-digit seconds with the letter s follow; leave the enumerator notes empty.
6h09
